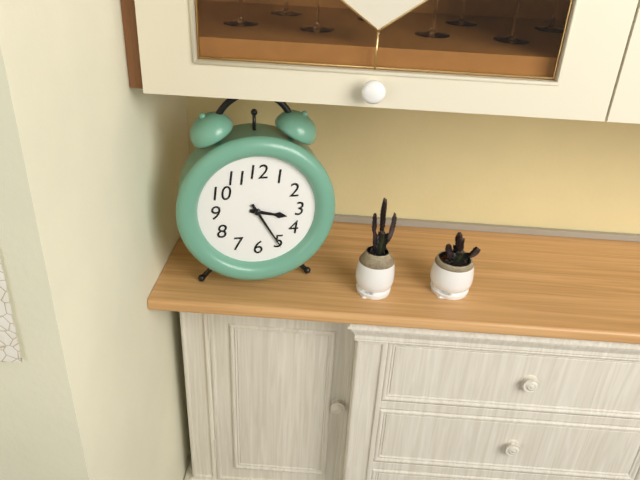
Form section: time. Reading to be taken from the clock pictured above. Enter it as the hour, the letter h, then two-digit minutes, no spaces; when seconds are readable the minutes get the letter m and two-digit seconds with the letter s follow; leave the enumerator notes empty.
3h25
